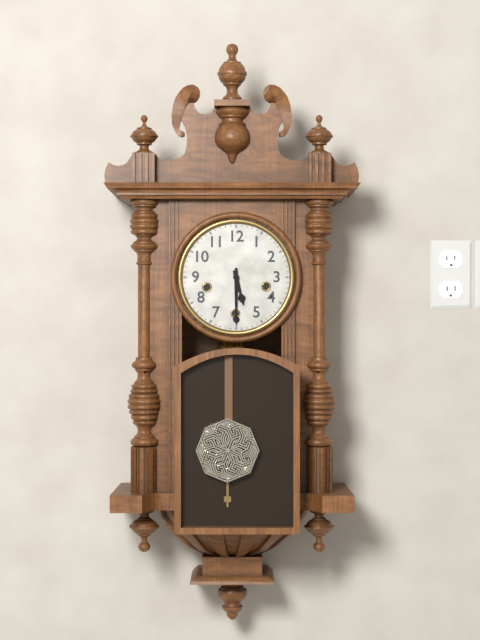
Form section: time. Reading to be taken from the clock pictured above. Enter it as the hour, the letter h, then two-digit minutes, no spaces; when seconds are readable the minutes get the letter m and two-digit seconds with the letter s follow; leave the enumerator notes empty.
5h30
